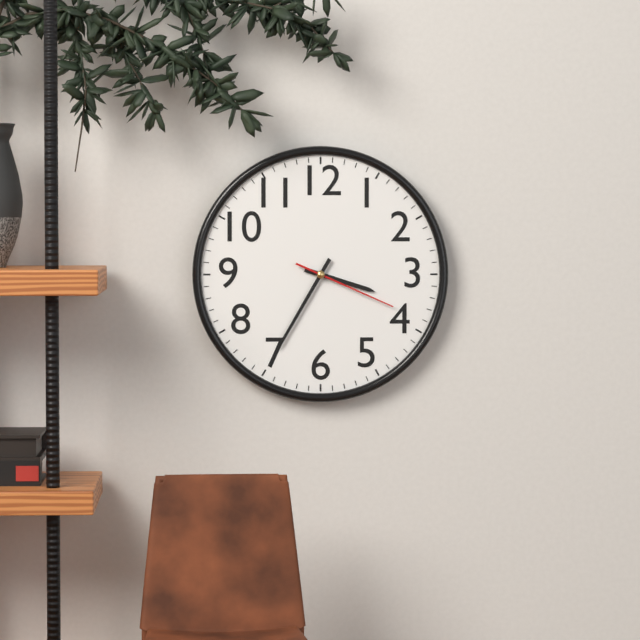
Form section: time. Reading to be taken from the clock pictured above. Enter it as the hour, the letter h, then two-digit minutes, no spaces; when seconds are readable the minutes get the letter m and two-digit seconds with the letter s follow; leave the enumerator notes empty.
3h35m19s
